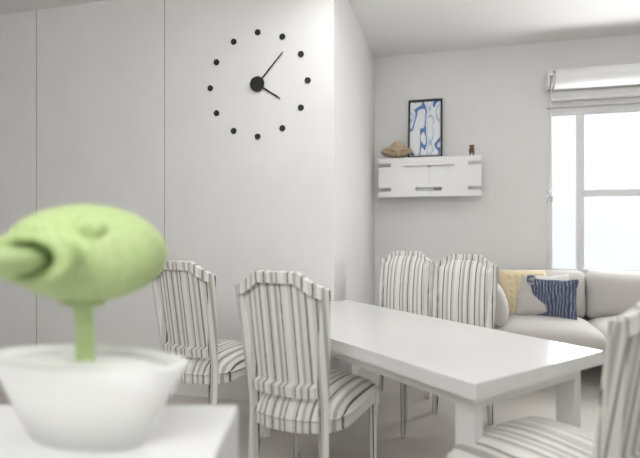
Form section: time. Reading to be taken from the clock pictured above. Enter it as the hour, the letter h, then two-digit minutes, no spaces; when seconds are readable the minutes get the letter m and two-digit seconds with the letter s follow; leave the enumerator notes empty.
4h07
